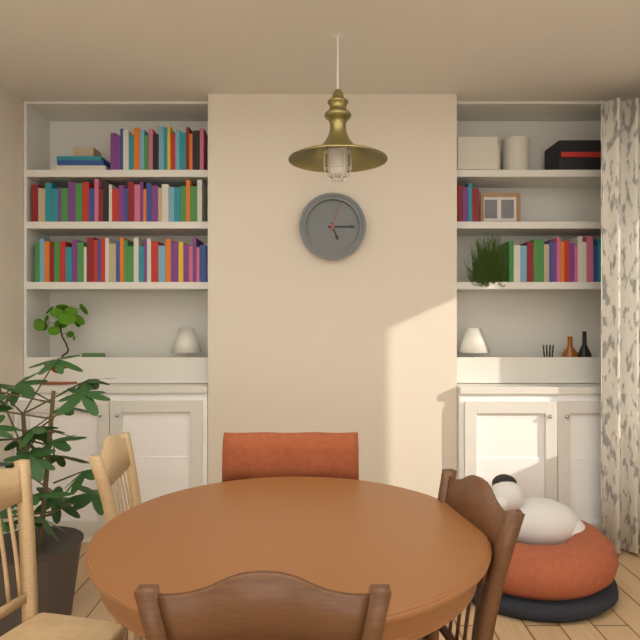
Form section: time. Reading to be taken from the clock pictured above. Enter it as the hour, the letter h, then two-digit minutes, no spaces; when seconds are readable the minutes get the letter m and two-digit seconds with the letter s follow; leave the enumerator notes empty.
5h15
